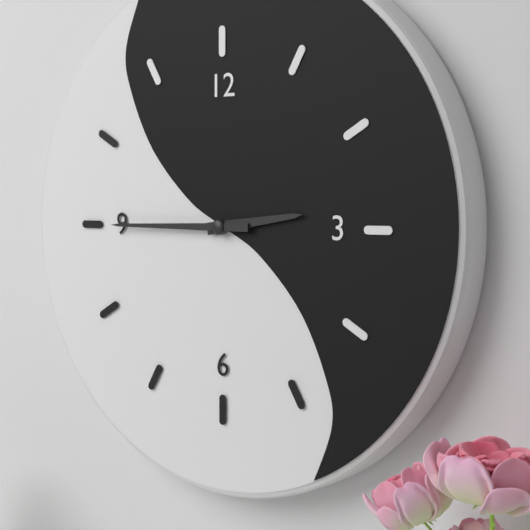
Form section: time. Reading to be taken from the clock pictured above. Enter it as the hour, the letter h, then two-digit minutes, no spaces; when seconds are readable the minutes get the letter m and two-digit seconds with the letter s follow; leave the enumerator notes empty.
2h45
